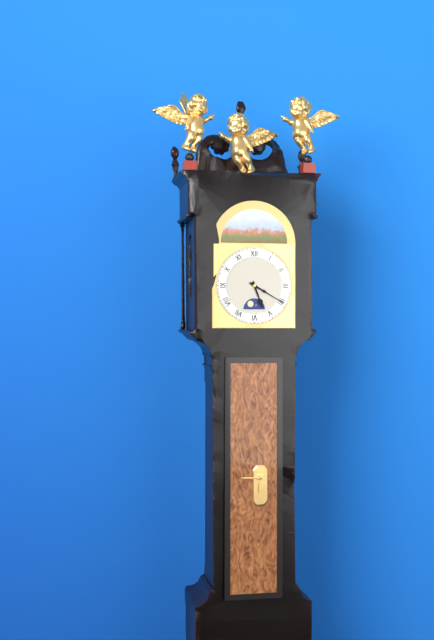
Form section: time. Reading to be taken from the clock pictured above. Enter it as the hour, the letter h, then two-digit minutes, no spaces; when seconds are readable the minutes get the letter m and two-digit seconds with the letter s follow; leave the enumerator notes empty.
5h20
